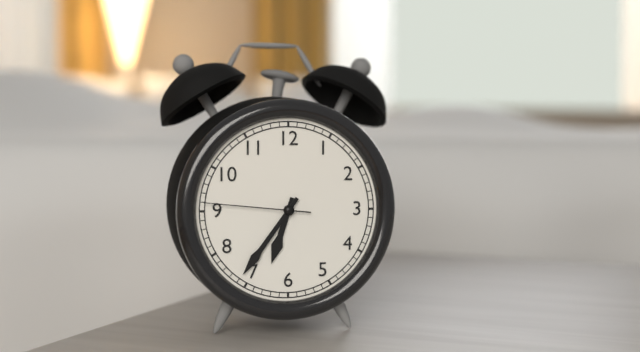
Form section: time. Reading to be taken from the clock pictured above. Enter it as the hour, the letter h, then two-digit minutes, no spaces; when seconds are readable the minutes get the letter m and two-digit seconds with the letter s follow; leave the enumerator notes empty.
6h36m46s
